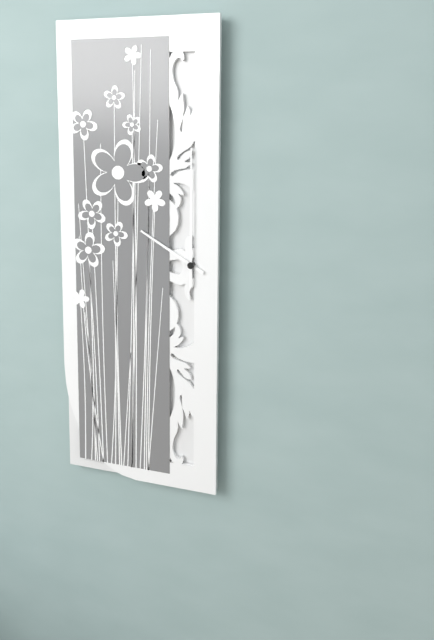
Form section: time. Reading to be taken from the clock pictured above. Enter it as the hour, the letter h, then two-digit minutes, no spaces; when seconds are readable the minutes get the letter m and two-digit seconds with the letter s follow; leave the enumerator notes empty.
10h00
